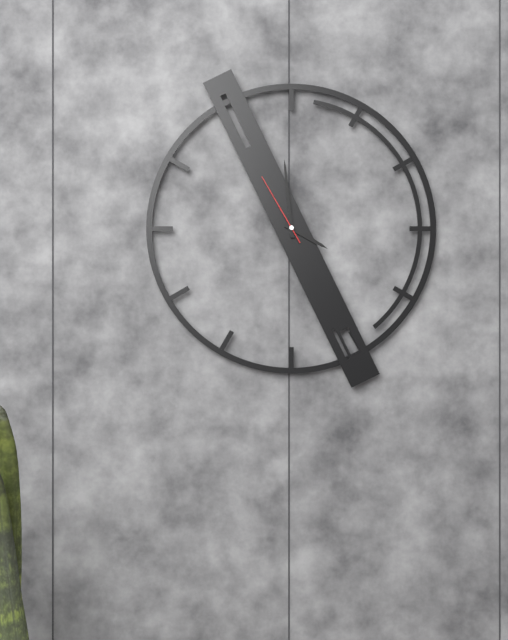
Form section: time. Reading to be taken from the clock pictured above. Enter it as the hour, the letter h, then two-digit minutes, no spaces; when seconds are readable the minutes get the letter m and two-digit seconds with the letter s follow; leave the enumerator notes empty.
3h59m55s
